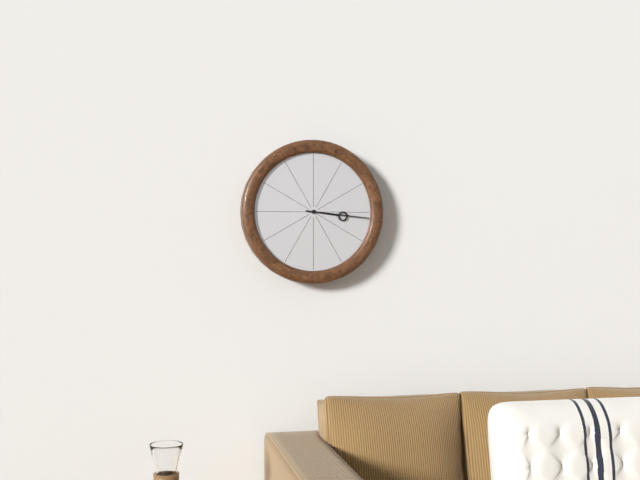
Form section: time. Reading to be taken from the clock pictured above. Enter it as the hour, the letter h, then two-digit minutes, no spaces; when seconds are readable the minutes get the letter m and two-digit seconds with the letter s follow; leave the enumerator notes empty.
3h16
